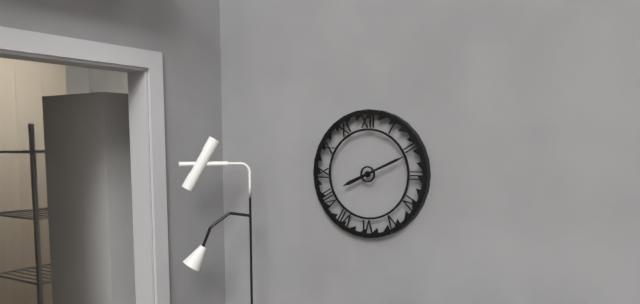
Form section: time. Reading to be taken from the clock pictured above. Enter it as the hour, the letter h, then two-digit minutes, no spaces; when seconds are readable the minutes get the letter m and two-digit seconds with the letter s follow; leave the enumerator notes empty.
8h11
